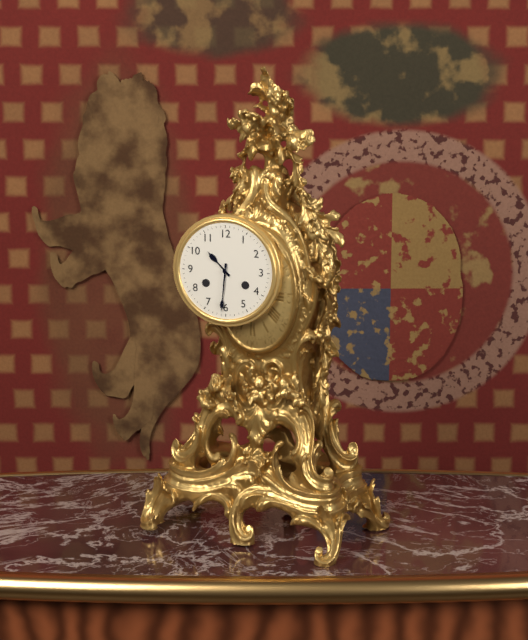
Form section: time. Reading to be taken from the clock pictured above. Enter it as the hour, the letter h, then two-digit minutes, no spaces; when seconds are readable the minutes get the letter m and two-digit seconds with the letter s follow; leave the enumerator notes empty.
10h31
